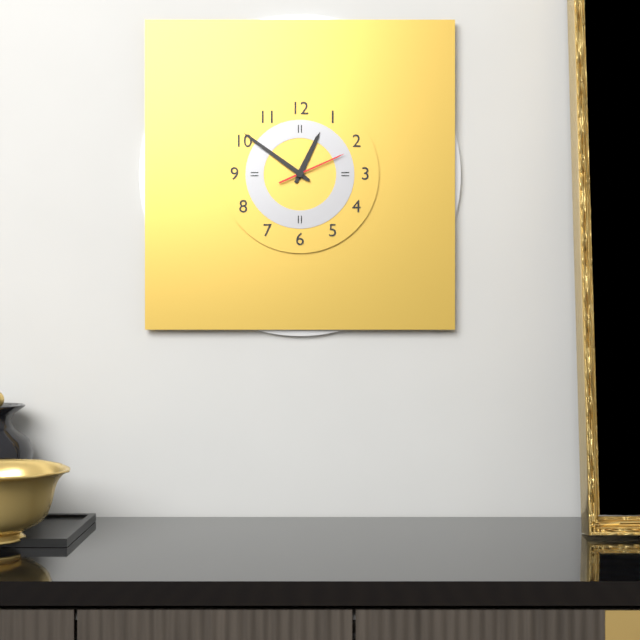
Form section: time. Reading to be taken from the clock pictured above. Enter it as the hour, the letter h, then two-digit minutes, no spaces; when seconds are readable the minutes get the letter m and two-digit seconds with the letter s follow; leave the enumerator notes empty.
12h51m11s
